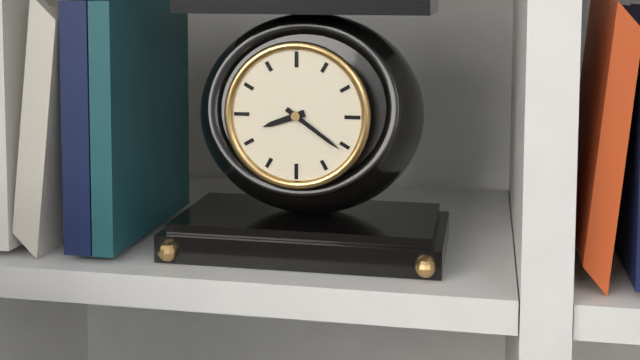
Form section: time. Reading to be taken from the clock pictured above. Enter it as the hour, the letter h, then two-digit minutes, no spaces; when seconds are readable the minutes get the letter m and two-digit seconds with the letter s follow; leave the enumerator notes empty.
8h21
